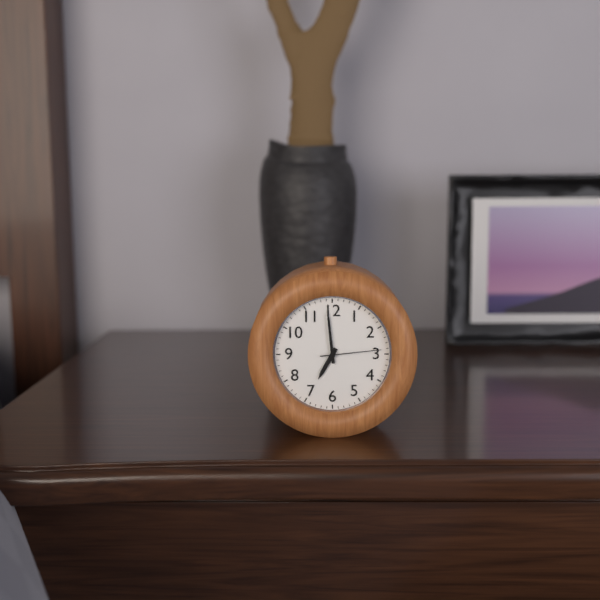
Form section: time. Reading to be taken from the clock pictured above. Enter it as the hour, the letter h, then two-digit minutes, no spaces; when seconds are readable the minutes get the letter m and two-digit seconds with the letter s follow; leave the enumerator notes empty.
6h59m14s
